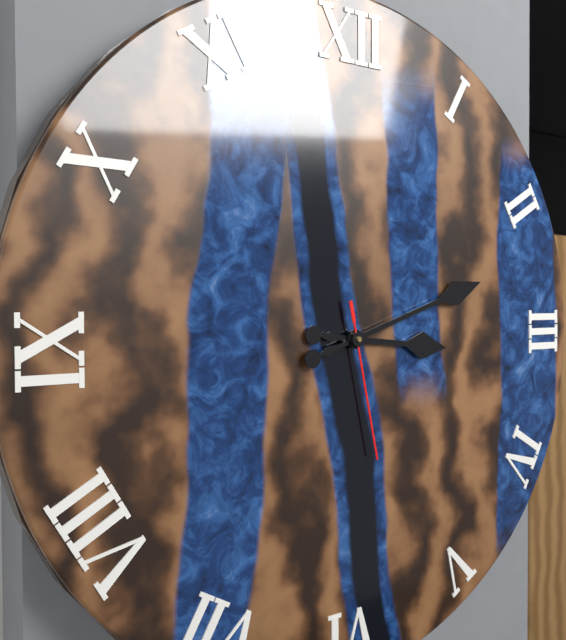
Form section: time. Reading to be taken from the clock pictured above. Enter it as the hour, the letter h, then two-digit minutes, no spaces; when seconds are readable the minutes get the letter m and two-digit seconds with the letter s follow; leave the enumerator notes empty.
3h12m28s
